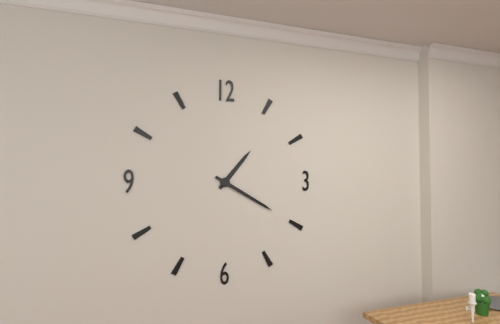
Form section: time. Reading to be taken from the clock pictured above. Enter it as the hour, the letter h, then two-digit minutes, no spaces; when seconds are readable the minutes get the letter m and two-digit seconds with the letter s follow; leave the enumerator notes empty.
1h20
